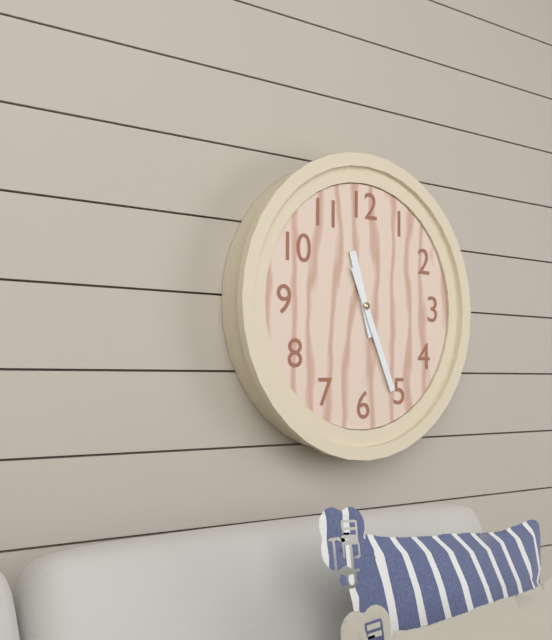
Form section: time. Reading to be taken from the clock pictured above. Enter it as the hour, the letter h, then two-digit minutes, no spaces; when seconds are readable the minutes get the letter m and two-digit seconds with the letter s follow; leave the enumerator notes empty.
11h26
